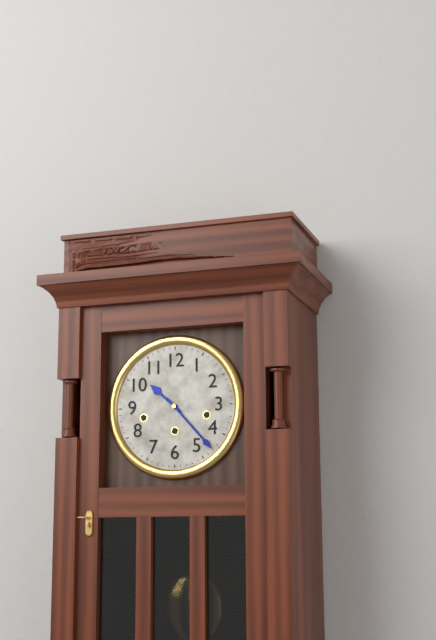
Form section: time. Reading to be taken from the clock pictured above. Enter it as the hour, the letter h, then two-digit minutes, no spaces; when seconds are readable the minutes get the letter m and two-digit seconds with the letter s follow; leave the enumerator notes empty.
10h23
